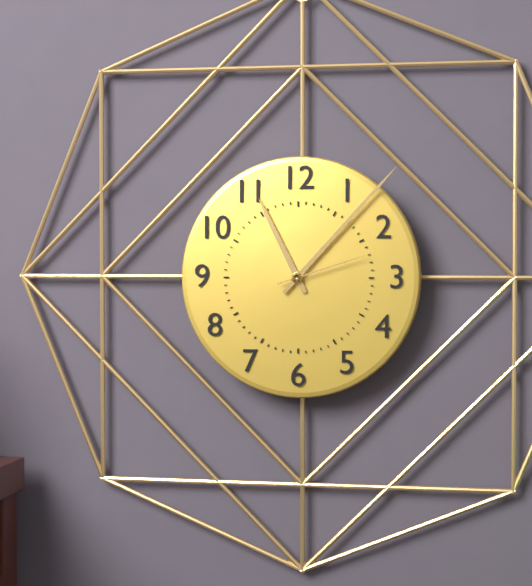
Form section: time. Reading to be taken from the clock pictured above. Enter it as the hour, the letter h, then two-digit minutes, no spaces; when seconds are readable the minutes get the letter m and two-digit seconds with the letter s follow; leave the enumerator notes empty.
11h07m12s
